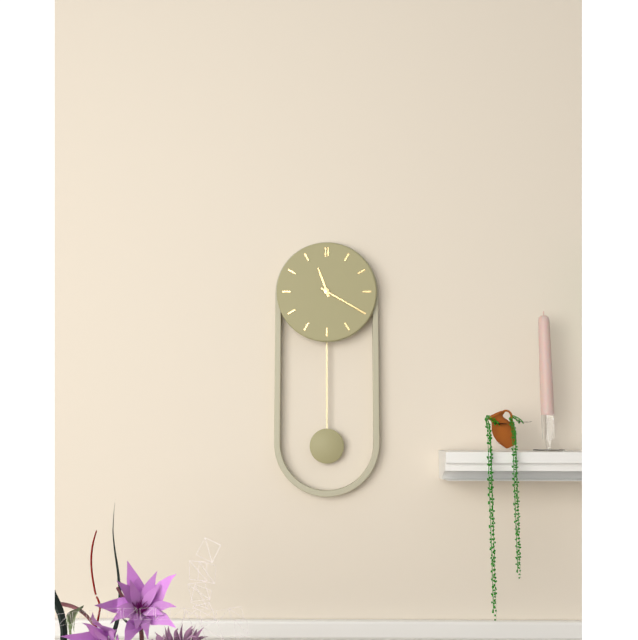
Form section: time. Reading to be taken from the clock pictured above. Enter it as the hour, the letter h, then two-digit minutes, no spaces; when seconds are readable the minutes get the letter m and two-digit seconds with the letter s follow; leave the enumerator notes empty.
11h20
